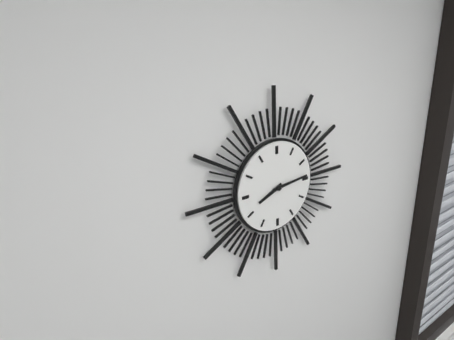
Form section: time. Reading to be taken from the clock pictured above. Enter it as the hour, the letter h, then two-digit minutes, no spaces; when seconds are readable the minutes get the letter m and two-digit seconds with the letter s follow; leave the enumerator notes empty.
8h14
